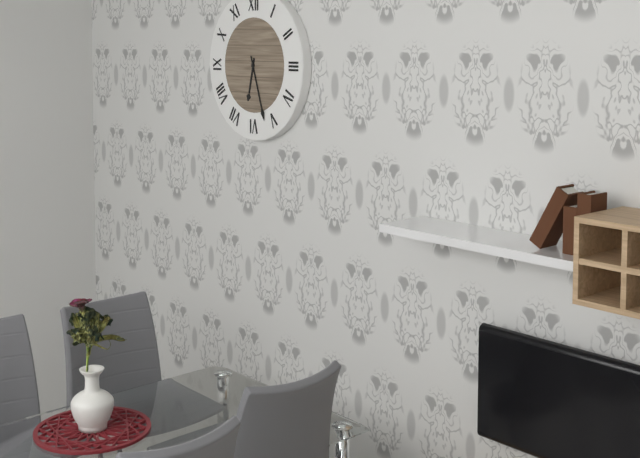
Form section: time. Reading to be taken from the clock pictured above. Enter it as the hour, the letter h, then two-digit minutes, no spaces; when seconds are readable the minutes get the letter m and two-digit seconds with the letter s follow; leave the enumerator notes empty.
6h27
